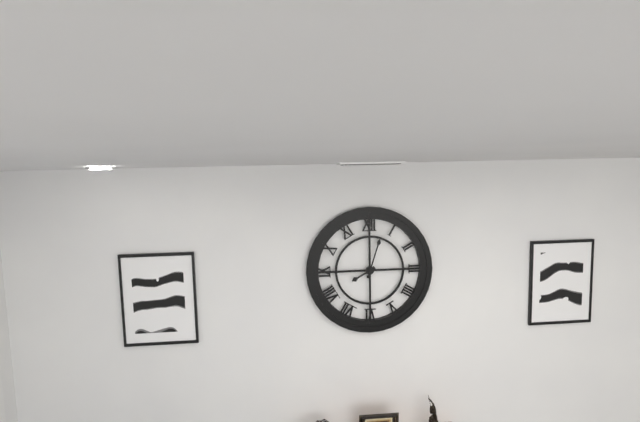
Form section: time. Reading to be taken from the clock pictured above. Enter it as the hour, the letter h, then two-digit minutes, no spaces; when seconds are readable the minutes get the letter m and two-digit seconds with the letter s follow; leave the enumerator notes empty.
8h03
